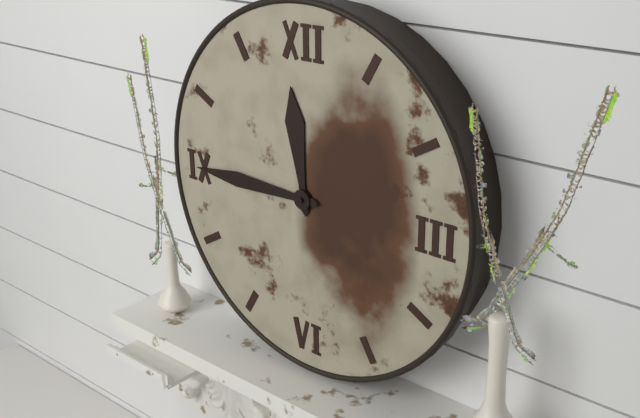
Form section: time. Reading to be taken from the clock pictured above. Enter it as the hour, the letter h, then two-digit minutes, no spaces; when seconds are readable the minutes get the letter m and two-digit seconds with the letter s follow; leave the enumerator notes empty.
11h45
